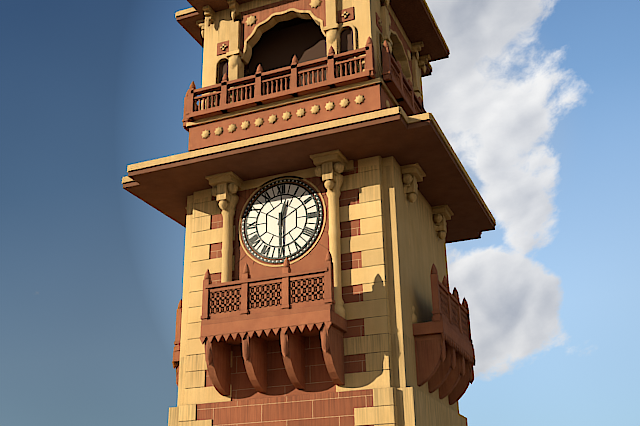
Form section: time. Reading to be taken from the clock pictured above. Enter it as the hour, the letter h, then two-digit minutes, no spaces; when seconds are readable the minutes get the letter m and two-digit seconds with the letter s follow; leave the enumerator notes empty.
12h30
